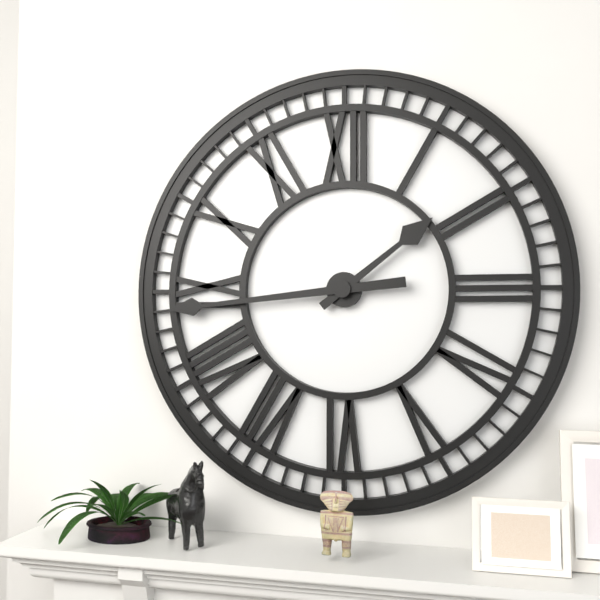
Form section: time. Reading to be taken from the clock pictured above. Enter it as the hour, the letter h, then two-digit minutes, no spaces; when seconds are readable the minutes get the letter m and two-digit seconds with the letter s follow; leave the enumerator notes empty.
1h44
